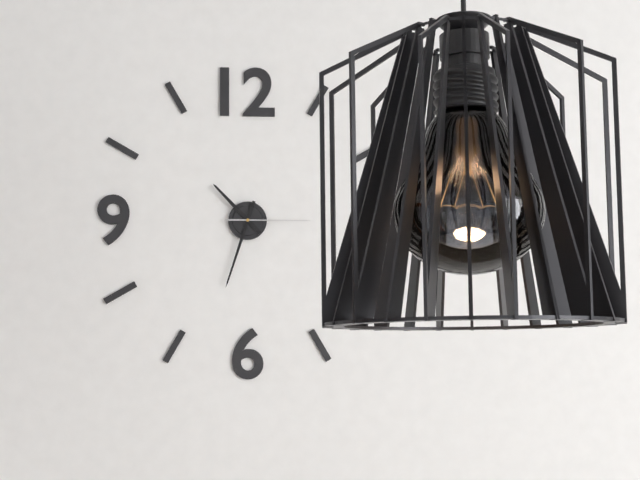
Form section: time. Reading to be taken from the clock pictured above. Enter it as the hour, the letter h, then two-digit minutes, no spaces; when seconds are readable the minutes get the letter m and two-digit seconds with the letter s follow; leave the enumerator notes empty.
10h33m15s
